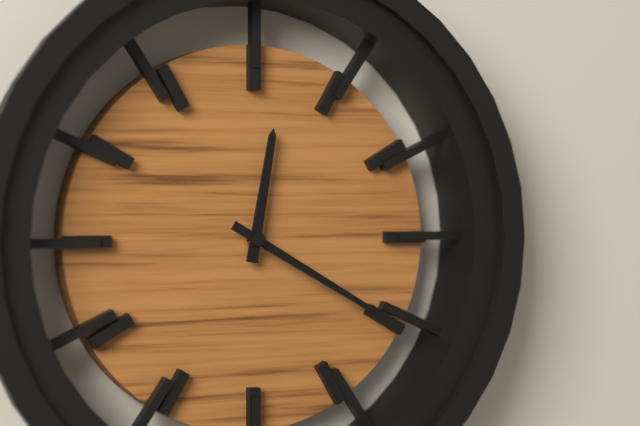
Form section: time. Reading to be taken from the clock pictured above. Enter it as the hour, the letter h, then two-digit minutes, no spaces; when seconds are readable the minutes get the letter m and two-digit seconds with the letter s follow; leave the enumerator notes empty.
12h20
